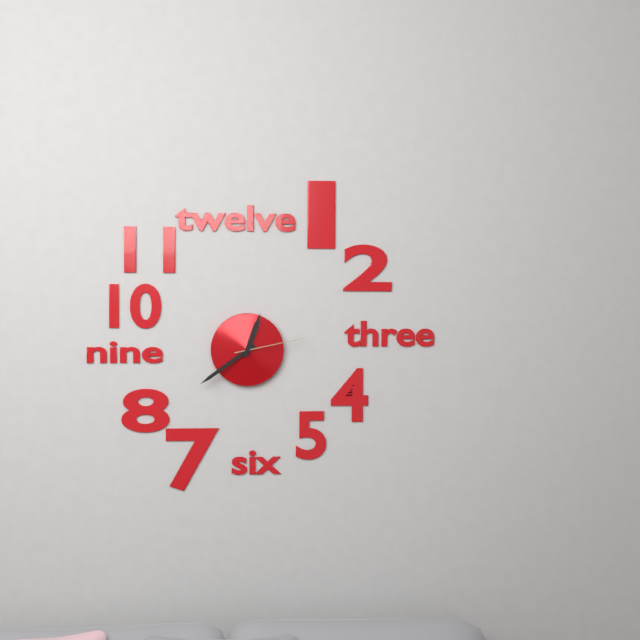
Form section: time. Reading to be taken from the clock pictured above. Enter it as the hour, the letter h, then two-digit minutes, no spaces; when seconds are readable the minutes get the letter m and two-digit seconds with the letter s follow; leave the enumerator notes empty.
12h39m13s
